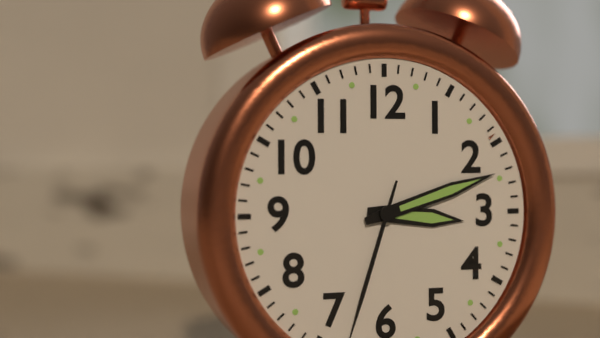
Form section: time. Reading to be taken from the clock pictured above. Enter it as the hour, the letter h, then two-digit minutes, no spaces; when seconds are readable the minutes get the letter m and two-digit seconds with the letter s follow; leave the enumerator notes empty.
3h12
